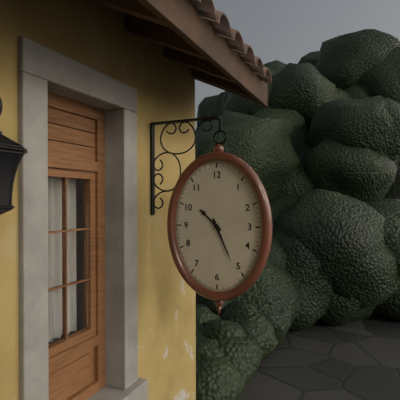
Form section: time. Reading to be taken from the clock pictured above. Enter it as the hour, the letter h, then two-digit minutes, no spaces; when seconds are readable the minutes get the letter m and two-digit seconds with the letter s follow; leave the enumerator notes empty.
10h26
